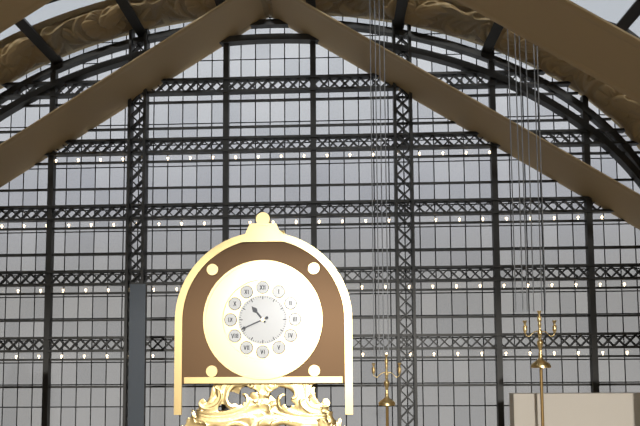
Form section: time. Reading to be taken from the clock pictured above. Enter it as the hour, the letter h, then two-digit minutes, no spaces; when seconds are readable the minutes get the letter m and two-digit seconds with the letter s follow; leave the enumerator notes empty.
10h41
